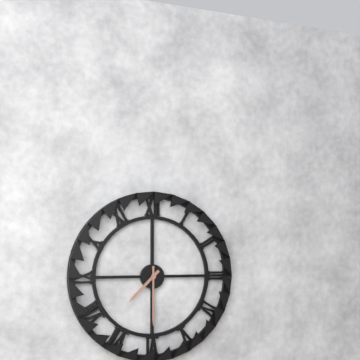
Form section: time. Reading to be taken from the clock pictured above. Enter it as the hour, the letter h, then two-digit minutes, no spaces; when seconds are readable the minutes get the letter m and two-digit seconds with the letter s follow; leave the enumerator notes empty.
7h30
